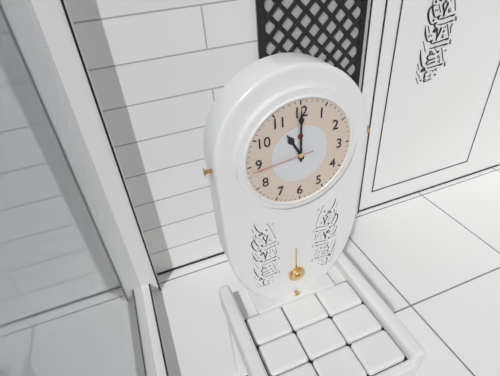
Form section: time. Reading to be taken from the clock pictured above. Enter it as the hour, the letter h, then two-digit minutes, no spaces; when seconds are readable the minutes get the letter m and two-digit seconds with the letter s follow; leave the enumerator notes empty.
11h00m44s
